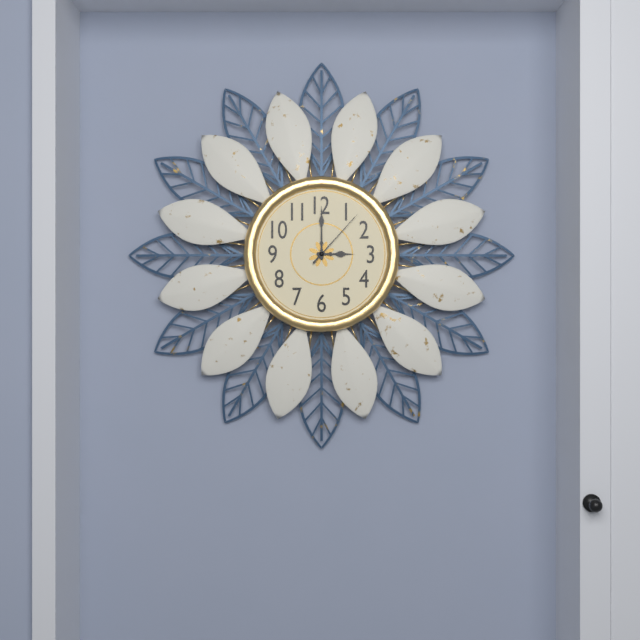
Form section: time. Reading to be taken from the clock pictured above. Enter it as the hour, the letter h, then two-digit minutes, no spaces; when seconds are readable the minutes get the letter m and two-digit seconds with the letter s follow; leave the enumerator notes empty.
3h00m07s
